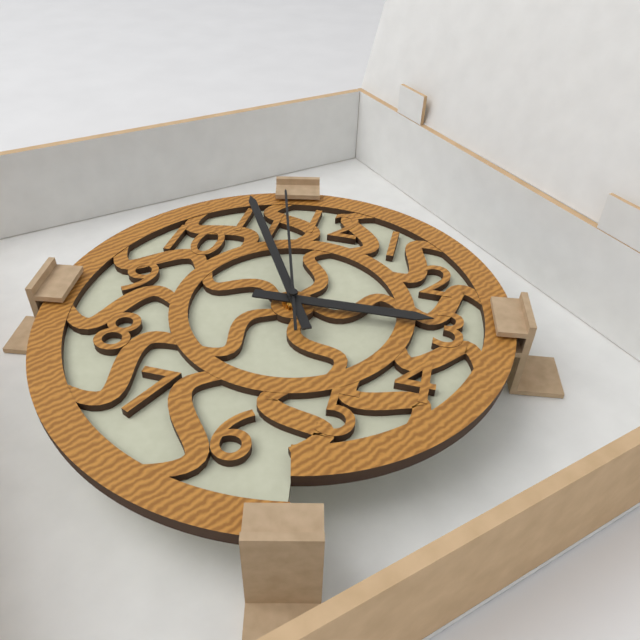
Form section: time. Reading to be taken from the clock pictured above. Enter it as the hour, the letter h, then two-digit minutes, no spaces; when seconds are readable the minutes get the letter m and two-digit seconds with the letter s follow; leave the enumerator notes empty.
2h55m57s
